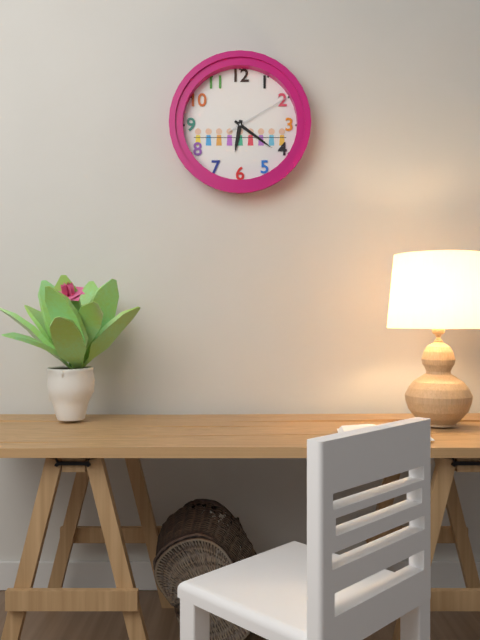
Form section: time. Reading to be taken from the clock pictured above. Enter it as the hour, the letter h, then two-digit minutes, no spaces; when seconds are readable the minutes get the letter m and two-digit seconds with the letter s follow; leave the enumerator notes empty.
6h21m10s
